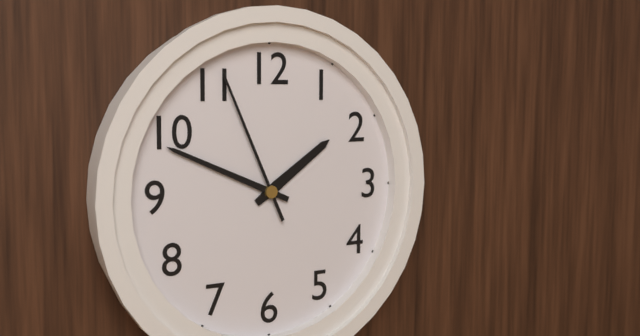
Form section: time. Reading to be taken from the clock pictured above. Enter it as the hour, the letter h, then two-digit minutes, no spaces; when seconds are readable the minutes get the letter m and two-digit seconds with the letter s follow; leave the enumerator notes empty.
1h49m56s
